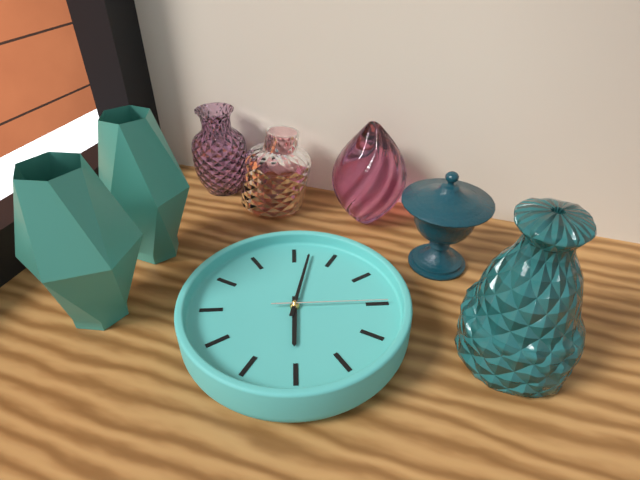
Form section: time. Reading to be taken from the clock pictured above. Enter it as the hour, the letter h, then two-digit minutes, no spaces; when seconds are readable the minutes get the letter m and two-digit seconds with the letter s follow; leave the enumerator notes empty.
6h02m15s
